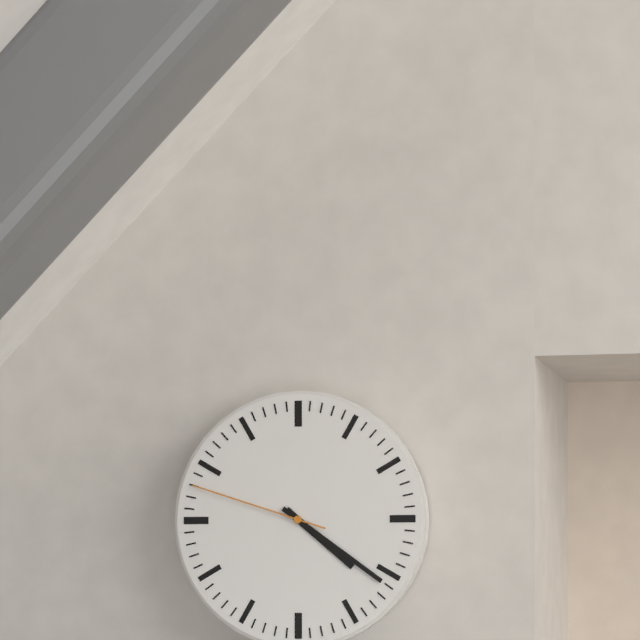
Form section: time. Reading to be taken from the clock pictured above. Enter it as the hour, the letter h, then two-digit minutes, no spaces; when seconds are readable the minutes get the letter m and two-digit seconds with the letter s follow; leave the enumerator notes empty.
4h21m48s
